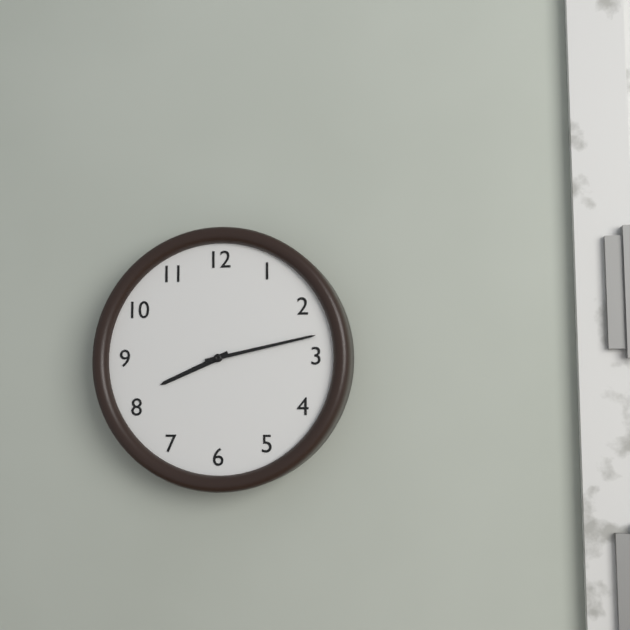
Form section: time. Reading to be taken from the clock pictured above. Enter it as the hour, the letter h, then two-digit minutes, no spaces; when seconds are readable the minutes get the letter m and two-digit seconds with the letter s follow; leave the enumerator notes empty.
8h13
